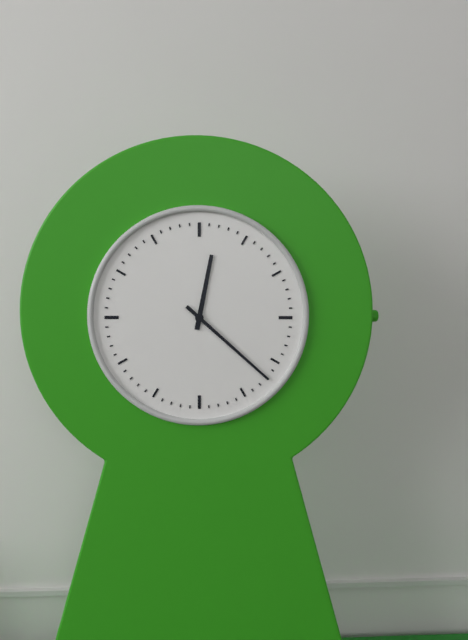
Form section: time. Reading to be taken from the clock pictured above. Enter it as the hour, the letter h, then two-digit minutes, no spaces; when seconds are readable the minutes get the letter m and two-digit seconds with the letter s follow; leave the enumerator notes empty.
12h22
